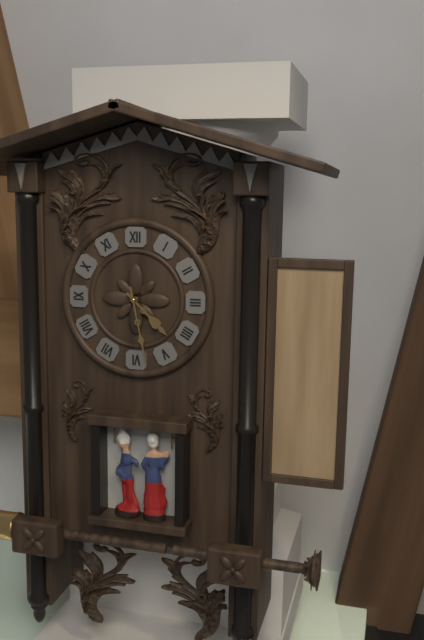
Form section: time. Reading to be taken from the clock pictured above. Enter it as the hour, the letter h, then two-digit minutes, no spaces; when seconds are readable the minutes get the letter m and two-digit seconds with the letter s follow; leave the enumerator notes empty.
4h28
